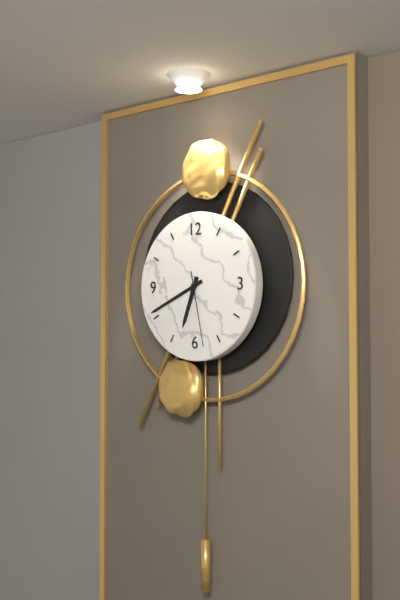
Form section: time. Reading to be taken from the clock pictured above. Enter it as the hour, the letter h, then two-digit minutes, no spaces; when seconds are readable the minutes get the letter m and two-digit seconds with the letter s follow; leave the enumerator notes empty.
6h41m28s
